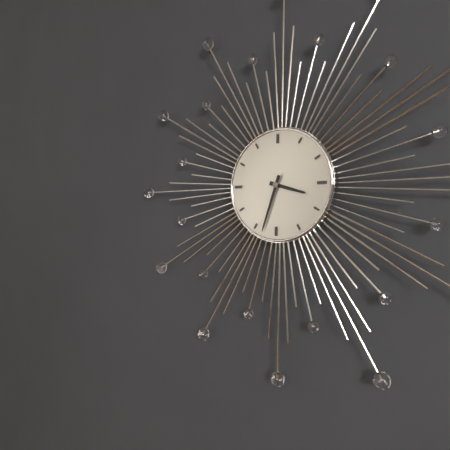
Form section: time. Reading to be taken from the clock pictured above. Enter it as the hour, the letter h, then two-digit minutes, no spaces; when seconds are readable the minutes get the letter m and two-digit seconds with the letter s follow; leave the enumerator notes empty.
3h33
